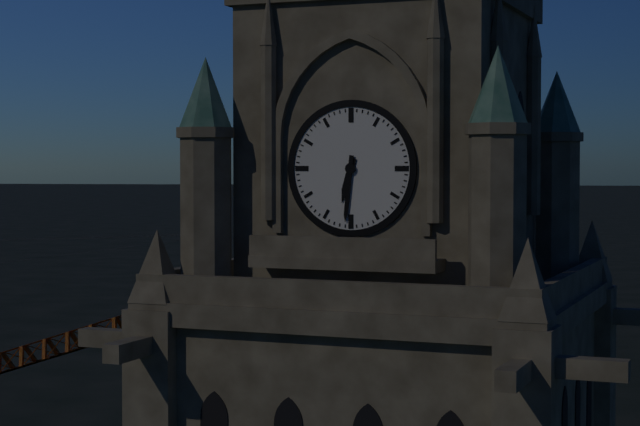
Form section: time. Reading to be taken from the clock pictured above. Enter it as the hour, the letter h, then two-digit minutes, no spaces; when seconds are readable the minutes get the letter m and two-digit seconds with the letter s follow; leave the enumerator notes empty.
6h31
